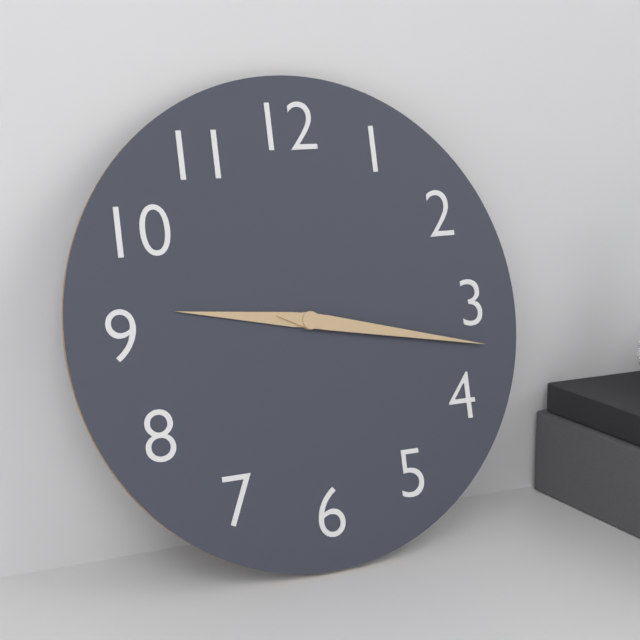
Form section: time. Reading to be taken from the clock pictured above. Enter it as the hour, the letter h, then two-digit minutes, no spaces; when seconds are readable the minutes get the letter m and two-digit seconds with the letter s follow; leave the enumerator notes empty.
9h17
